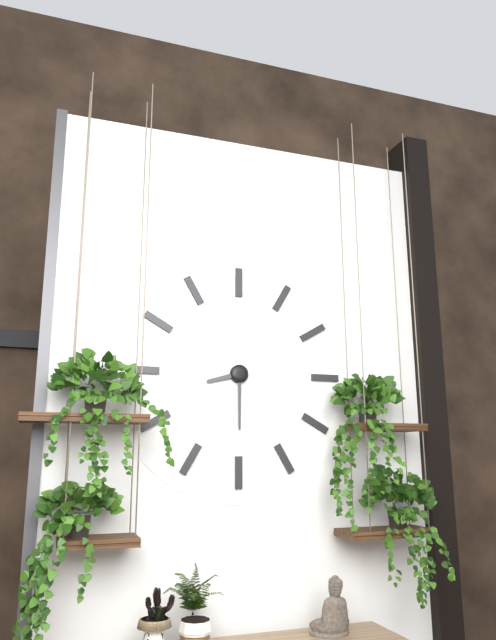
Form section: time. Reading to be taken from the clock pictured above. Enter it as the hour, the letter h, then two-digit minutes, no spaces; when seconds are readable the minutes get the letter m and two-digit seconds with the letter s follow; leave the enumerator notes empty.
8h30
